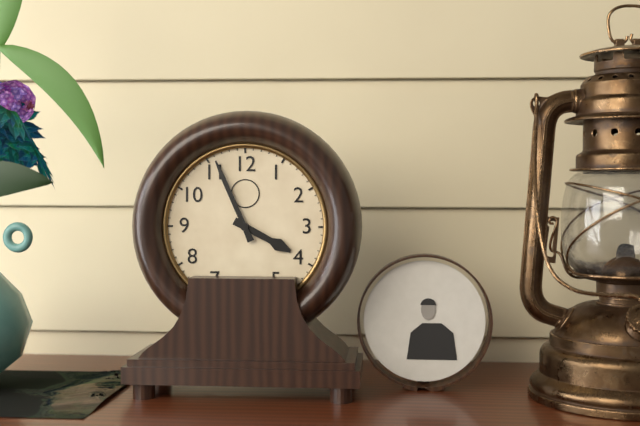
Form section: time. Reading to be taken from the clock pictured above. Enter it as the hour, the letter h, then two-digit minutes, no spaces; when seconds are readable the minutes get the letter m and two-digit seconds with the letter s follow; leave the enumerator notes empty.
3h56
